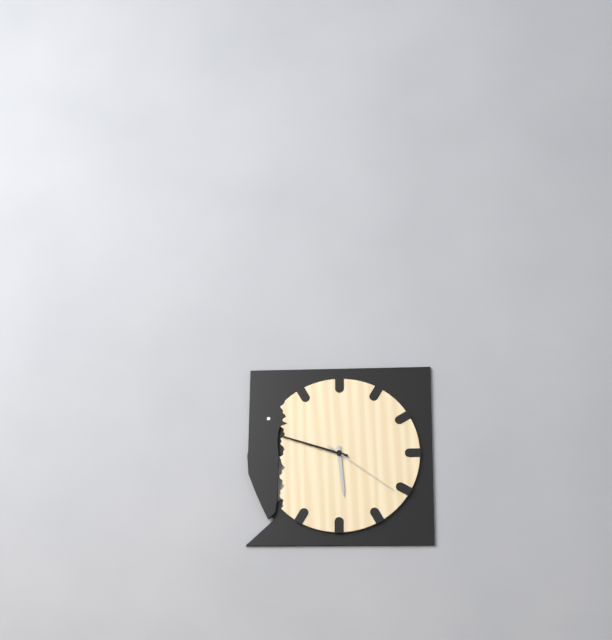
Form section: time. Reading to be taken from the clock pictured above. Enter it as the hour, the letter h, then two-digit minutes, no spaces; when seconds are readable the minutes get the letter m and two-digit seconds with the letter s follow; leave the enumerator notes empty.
5h48m21s
